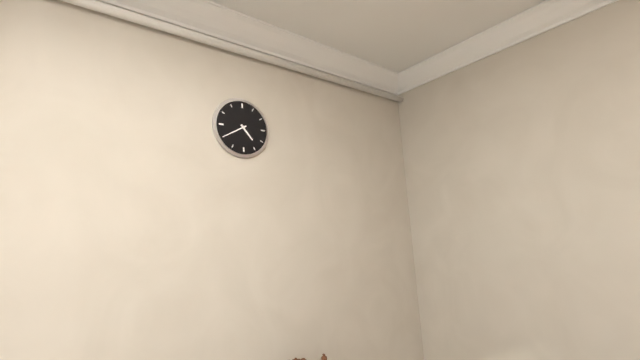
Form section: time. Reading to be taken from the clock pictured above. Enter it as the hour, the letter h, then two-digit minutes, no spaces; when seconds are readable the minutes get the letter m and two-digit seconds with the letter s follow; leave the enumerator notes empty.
4h40
